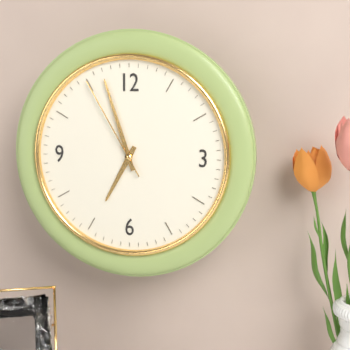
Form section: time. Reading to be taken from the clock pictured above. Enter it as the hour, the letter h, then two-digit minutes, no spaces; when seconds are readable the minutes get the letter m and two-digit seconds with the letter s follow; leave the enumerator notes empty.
6h57m55s
